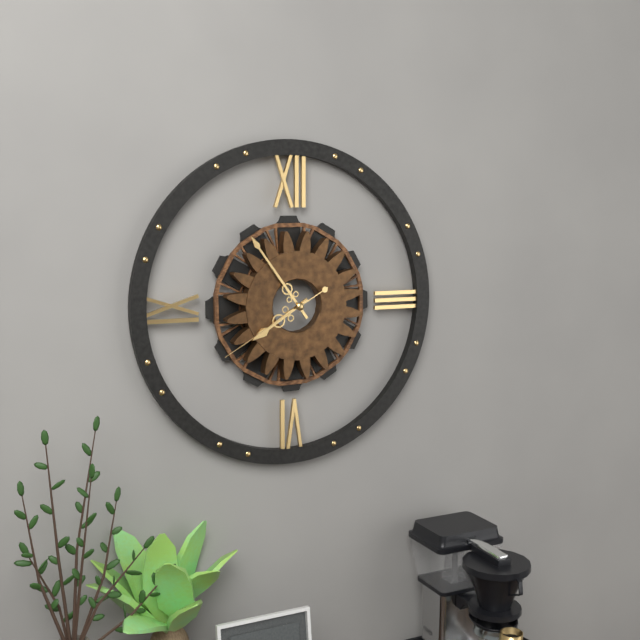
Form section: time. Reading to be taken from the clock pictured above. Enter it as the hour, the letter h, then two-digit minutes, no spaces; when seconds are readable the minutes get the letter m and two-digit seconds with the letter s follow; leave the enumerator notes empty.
7h54m40s
